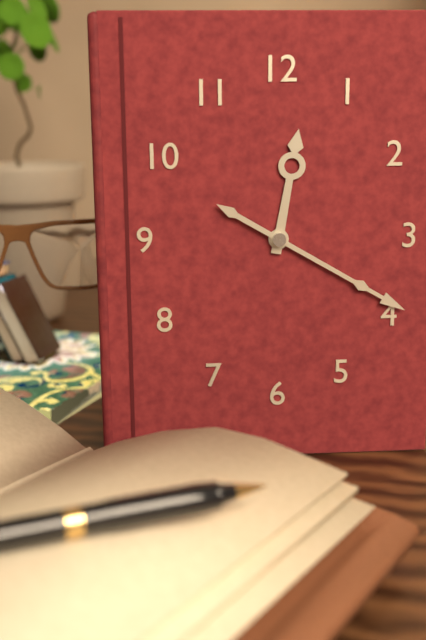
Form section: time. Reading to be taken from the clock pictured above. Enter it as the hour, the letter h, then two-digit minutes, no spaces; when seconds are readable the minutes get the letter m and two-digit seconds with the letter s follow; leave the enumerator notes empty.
12h20
